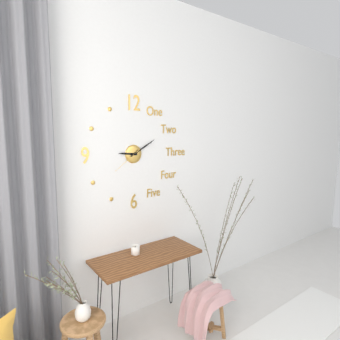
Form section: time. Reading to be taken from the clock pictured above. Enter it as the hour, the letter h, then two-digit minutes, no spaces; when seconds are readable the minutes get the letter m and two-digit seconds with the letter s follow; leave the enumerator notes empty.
9h10
